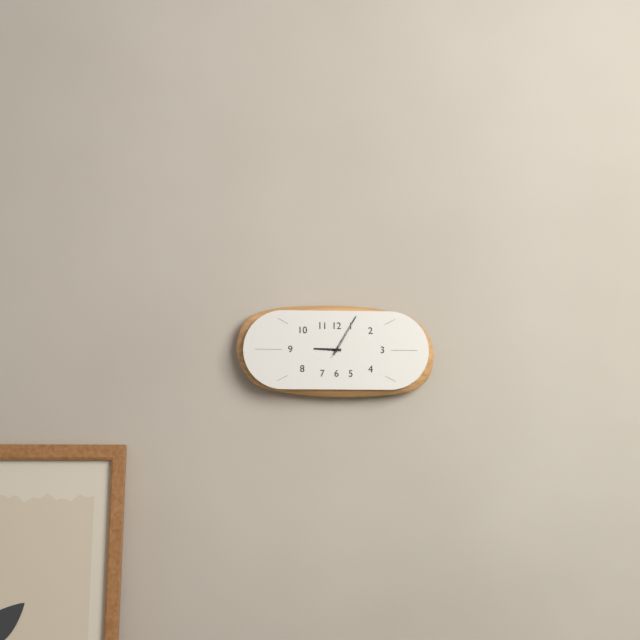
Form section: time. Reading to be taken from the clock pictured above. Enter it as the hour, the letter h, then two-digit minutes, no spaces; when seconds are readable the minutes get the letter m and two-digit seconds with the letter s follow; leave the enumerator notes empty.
9h05
